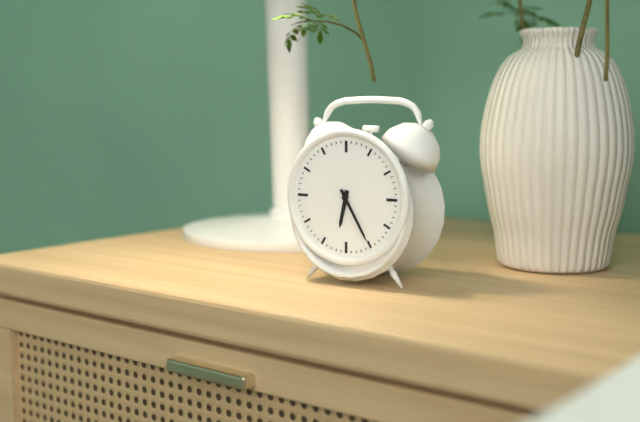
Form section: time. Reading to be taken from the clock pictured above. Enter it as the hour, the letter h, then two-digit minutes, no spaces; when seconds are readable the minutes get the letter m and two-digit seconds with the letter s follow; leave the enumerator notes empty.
6h25
